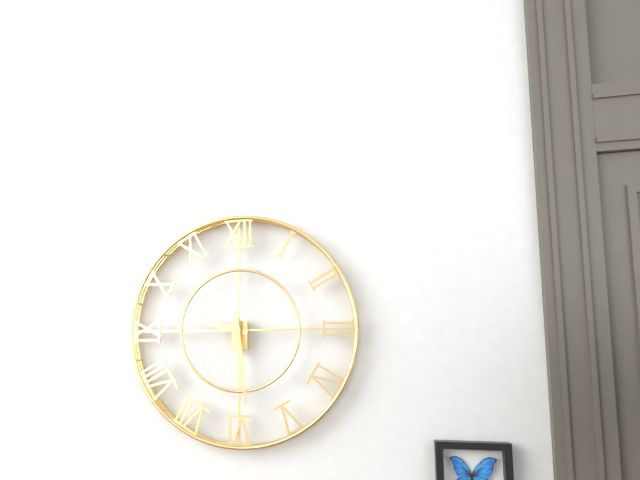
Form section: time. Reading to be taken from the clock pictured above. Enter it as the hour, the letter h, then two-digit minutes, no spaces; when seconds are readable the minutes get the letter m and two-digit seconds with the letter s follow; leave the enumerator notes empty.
9h29
